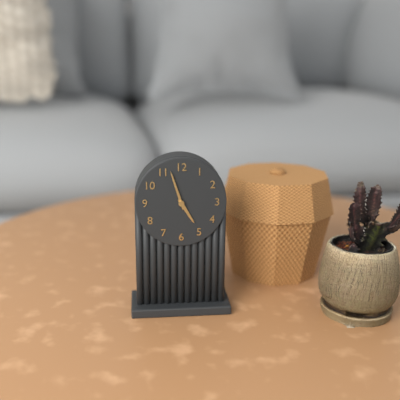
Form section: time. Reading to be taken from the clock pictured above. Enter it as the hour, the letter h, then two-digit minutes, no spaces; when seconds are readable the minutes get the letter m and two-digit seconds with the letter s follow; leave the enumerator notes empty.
4h57
